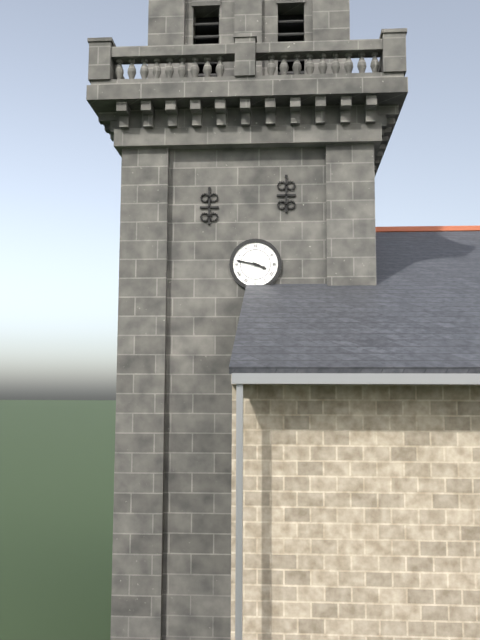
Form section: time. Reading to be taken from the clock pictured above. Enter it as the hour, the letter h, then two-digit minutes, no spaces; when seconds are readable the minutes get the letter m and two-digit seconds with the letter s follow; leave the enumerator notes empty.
3h47
